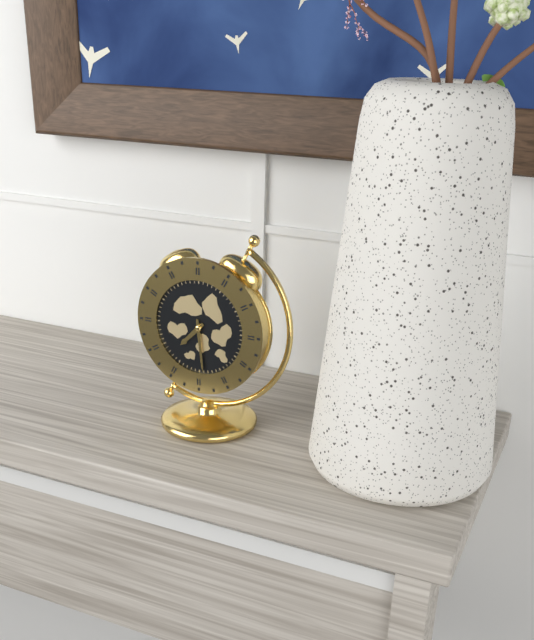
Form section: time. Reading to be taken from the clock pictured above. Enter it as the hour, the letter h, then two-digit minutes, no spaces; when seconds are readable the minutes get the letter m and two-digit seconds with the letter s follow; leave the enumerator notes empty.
7h29
